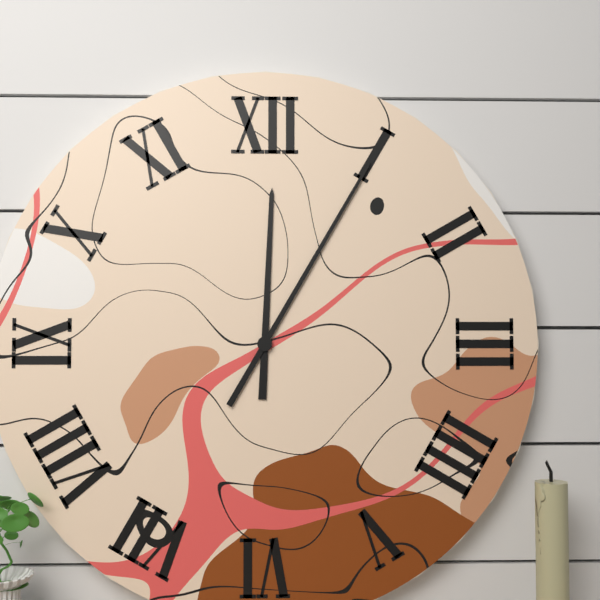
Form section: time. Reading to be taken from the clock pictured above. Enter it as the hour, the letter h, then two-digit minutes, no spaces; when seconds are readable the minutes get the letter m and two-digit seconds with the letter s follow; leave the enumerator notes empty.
12h05
